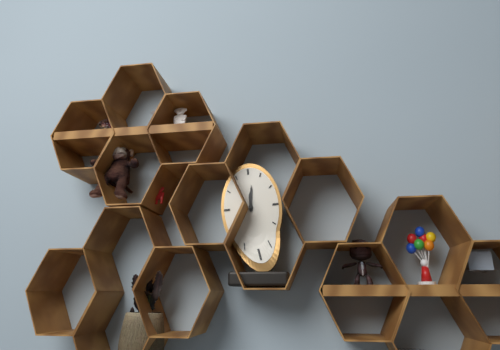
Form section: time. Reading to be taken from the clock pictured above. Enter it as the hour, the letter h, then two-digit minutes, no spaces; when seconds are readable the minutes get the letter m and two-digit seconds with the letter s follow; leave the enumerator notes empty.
12h01
